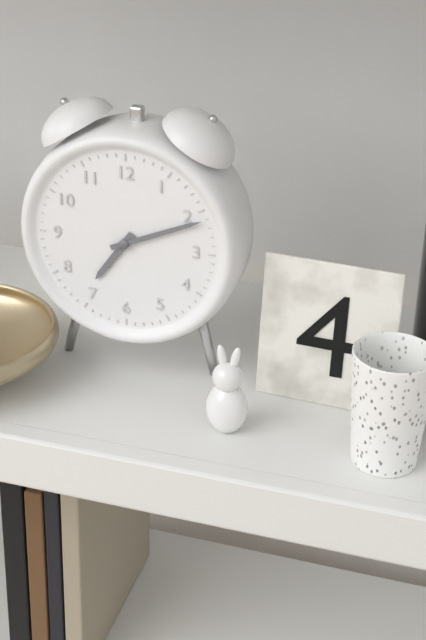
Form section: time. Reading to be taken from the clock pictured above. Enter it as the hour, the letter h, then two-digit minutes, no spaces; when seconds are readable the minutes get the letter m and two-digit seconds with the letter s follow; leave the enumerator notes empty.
7h11
